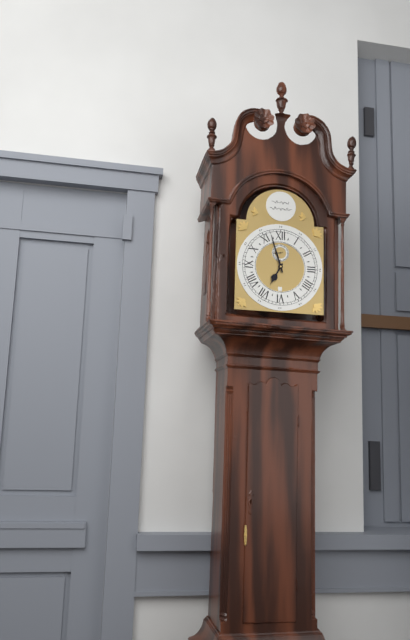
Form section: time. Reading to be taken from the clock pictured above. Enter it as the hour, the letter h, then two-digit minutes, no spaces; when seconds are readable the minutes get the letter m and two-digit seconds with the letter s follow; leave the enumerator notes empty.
6h57
